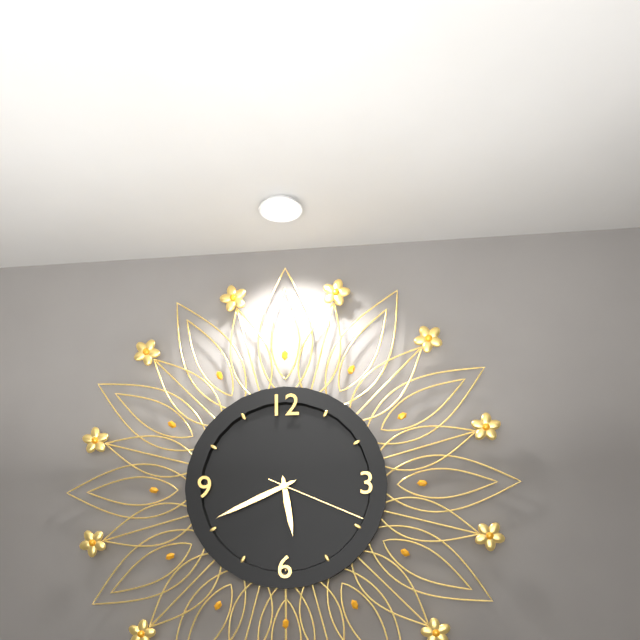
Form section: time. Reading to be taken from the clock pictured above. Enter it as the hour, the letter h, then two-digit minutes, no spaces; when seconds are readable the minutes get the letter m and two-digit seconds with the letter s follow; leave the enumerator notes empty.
5h41m19s
